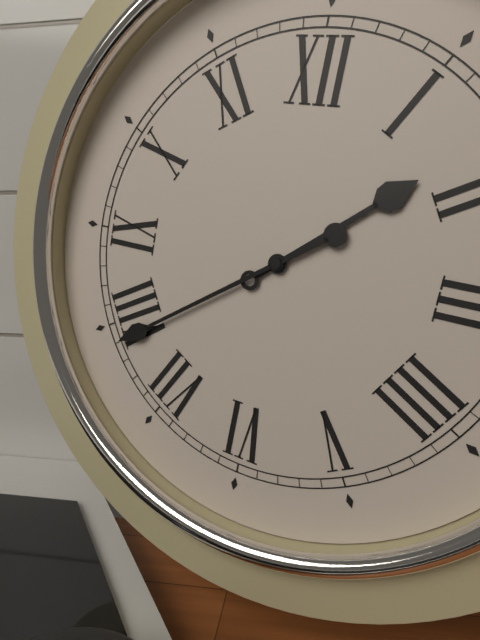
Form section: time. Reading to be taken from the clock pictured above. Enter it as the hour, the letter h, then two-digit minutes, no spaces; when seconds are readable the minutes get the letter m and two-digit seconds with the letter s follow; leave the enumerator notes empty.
1h39
